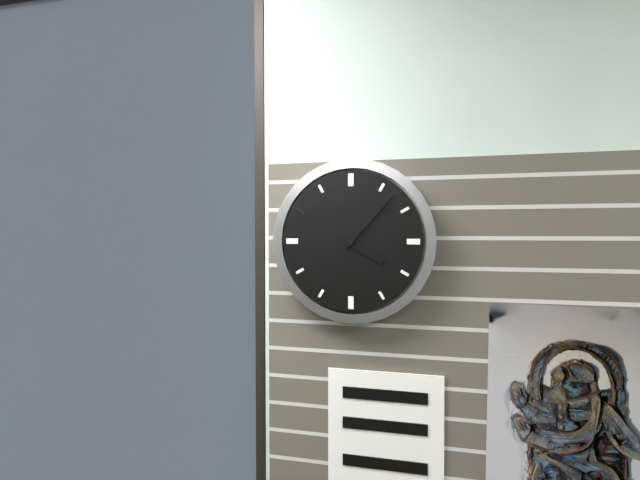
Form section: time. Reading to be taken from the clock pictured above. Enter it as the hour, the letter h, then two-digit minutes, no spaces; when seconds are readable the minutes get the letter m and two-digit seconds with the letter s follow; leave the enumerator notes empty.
4h07
